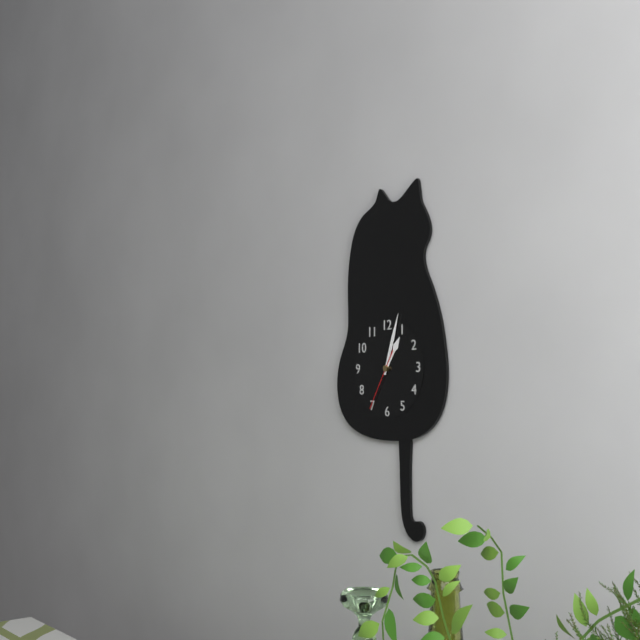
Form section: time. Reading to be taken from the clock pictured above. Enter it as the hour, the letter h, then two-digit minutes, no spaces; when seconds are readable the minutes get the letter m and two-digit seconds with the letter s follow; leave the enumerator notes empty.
1h03m35s
